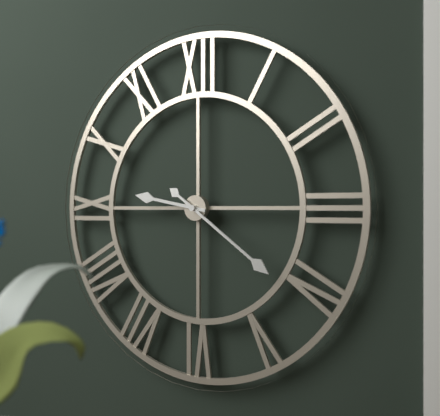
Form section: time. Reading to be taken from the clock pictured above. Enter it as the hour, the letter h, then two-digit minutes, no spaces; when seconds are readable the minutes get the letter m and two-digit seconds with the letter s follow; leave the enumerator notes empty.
9h21
